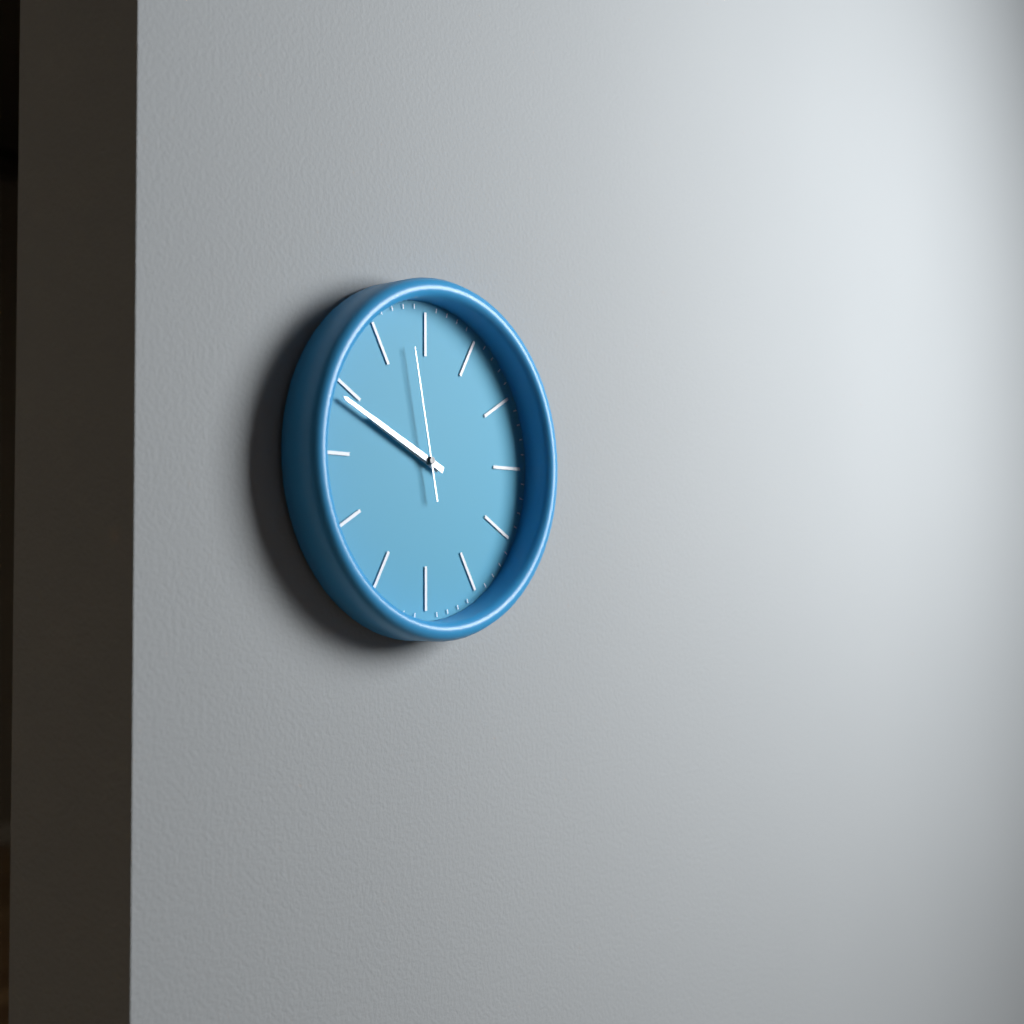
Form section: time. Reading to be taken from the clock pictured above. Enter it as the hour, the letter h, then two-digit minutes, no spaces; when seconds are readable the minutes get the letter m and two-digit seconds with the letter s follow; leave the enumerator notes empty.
9h49m58s
